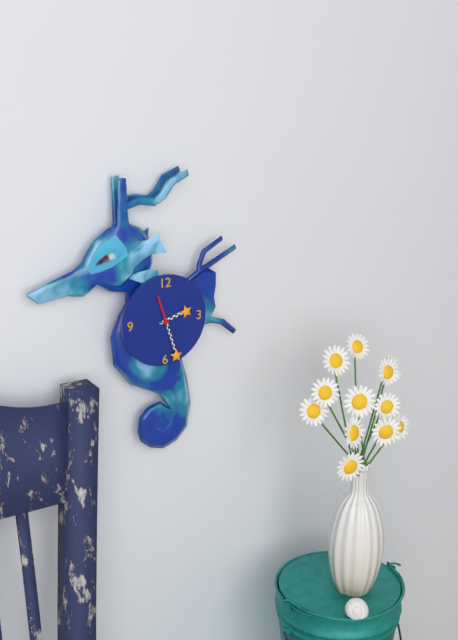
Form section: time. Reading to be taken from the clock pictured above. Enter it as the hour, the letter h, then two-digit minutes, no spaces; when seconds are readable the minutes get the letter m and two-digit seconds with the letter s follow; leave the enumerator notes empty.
2h27
